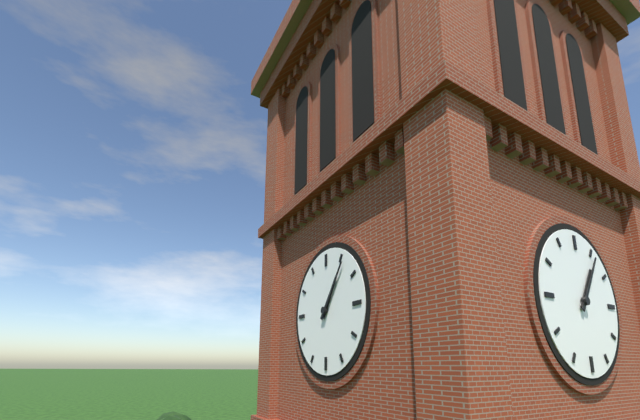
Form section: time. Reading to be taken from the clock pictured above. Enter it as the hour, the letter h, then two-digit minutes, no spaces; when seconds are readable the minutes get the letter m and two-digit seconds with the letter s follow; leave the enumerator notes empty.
1h06
